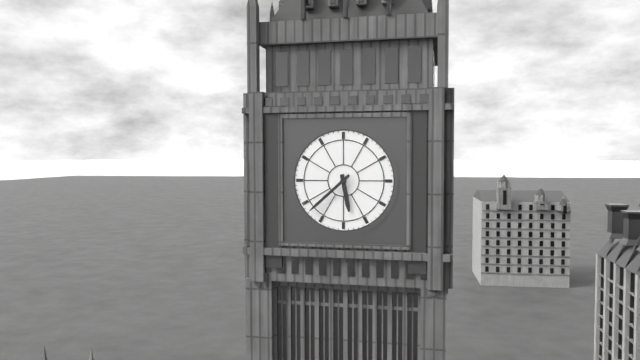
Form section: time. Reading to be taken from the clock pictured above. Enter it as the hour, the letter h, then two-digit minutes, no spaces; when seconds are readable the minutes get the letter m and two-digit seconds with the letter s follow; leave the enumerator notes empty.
5h38
